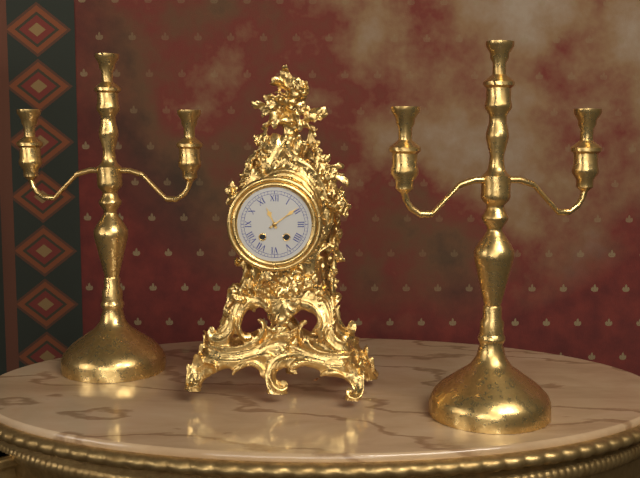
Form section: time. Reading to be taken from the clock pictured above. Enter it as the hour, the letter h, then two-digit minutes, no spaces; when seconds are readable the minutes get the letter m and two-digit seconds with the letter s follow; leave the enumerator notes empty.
11h09
